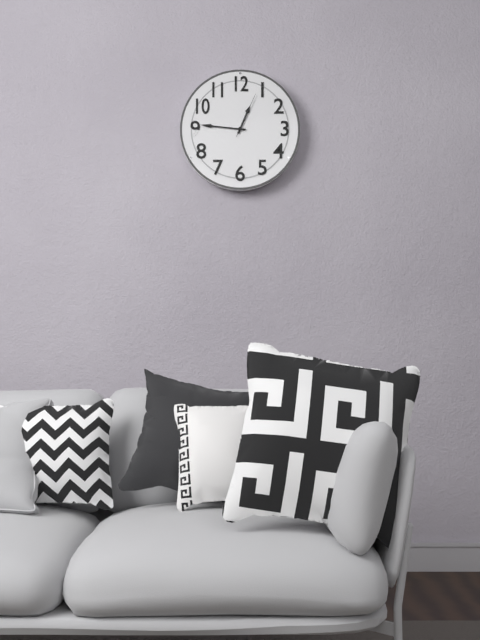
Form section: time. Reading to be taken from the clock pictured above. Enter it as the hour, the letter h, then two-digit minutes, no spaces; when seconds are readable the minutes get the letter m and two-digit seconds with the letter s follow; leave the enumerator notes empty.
12h46
